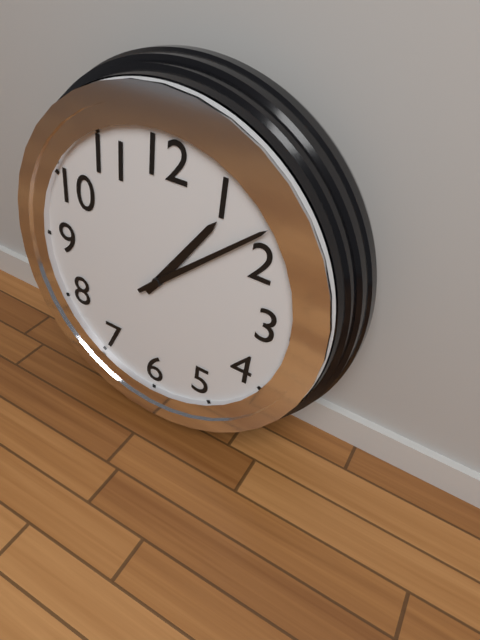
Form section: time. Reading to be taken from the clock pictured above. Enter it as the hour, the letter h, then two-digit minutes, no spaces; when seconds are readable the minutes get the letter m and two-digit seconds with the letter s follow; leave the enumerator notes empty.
1h08
